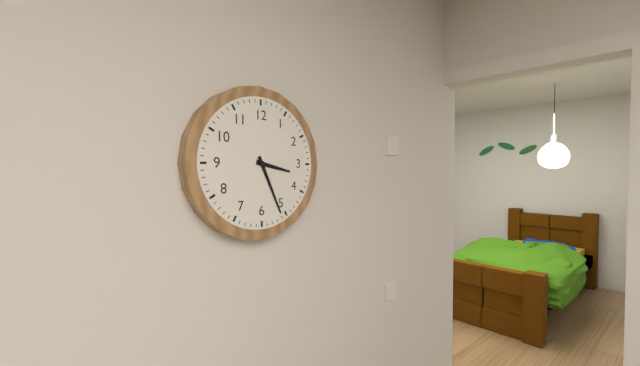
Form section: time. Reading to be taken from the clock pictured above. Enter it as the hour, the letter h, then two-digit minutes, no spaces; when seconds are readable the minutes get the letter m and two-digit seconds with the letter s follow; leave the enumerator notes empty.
3h26
